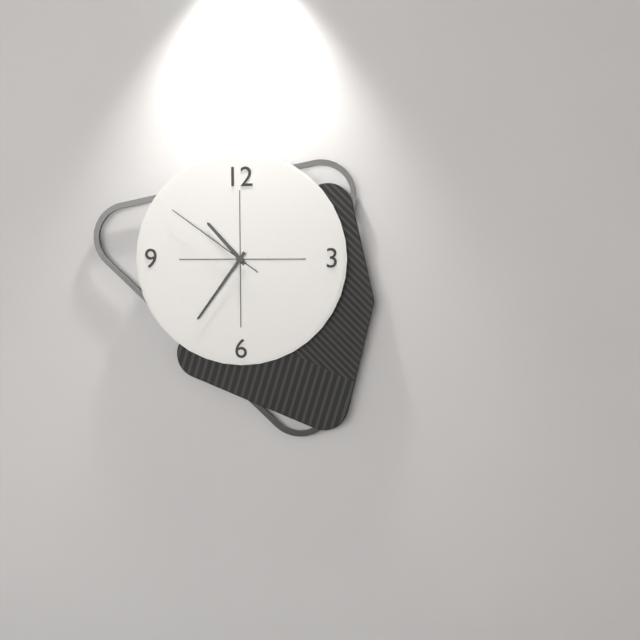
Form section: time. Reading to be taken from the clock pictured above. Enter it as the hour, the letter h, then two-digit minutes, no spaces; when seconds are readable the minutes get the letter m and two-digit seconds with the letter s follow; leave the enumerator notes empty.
10h36m51s
